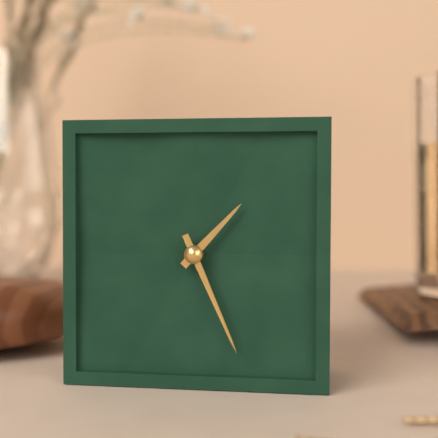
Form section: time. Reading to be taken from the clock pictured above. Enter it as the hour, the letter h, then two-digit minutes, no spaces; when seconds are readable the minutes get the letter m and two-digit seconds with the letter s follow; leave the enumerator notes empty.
1h26
